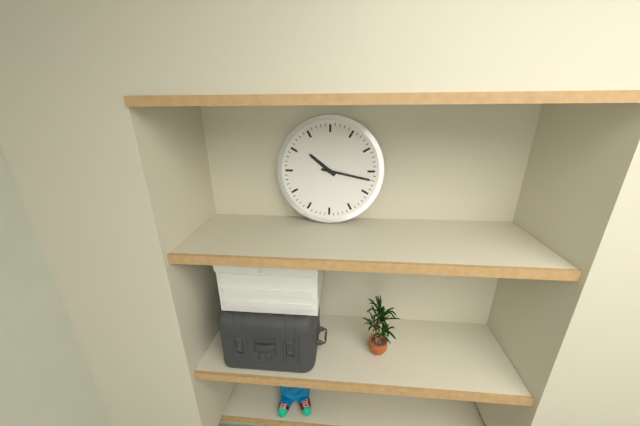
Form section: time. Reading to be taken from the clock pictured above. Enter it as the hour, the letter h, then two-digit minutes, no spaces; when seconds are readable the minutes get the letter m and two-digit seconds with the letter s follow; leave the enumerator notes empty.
10h17
